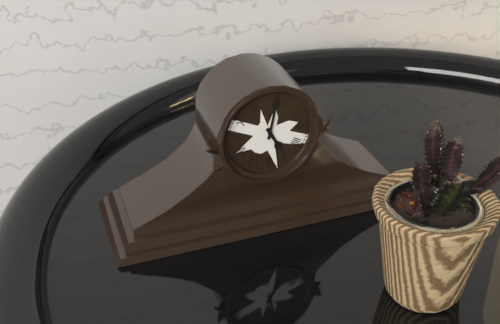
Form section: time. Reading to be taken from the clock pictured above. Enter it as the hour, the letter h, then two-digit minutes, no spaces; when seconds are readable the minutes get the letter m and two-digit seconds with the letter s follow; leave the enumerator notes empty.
5h02
